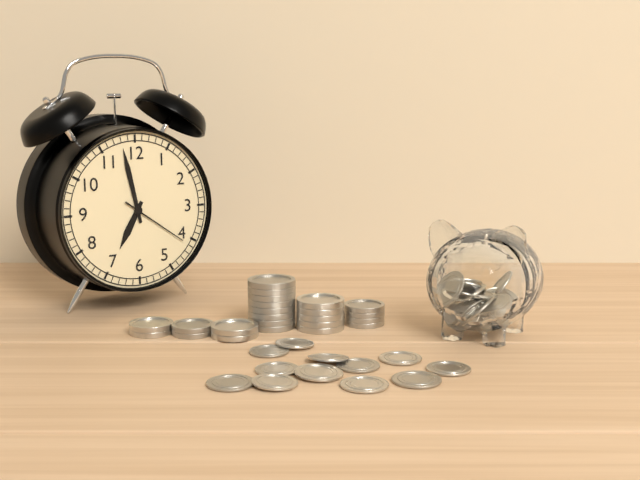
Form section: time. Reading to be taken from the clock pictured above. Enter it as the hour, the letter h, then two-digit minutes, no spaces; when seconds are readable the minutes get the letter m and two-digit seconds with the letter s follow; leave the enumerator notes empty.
6h58m21s
